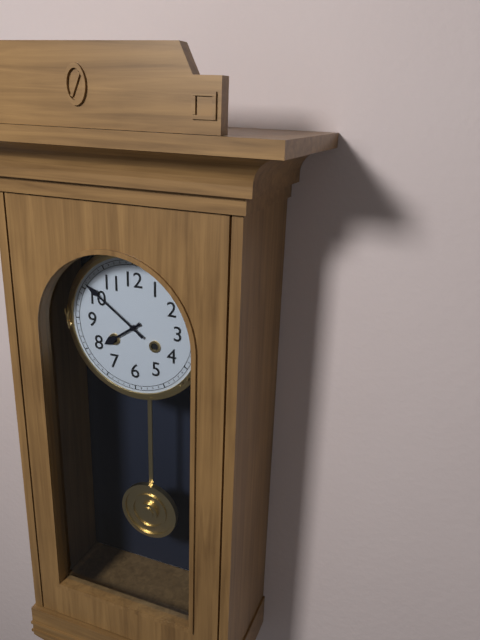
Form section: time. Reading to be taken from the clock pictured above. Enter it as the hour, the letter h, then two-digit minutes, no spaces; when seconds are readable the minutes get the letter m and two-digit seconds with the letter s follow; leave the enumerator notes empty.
7h51
